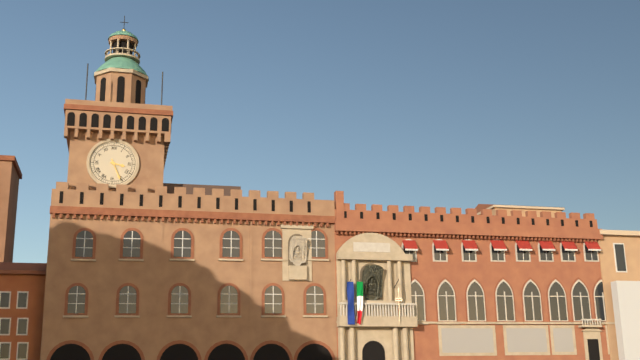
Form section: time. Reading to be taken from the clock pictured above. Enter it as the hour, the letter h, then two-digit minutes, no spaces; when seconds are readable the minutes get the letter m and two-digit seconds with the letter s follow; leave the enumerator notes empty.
3h26
